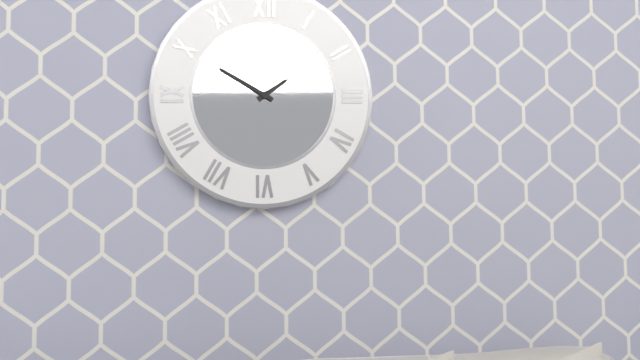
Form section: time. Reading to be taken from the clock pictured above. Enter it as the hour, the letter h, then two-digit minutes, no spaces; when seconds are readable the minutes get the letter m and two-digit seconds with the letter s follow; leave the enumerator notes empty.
1h50
